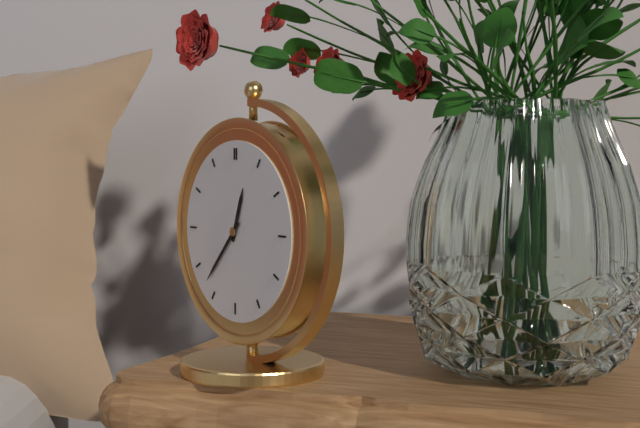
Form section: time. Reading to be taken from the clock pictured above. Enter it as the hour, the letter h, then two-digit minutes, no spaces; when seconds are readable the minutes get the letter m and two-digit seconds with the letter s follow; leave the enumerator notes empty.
12h37
